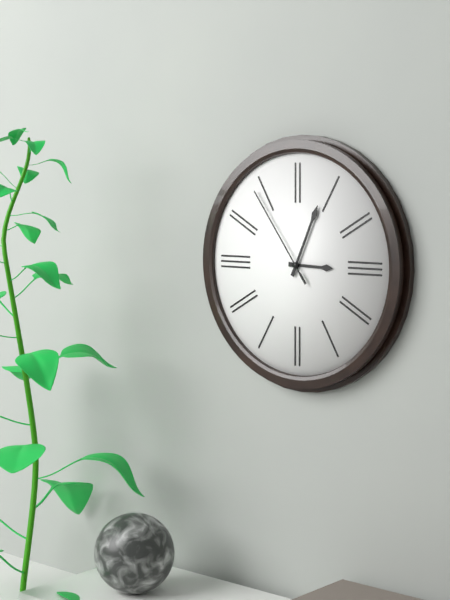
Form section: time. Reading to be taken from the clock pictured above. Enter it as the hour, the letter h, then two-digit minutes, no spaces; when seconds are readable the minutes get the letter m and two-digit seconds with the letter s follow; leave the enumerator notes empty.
3h04m54s
